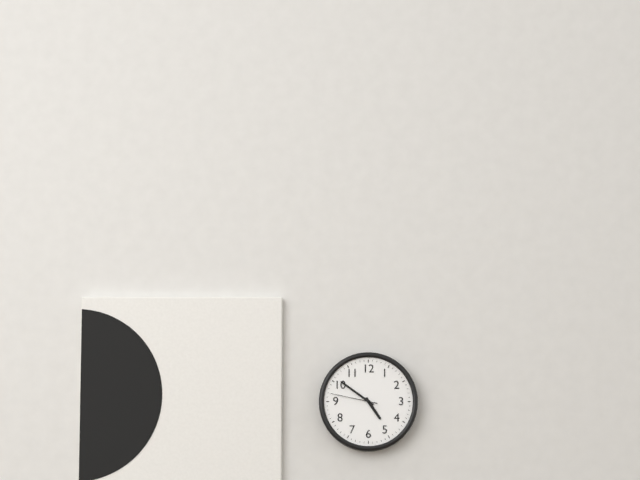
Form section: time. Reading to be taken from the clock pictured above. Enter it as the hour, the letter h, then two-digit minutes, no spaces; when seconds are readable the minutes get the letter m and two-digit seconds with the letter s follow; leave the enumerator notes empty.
4h51
